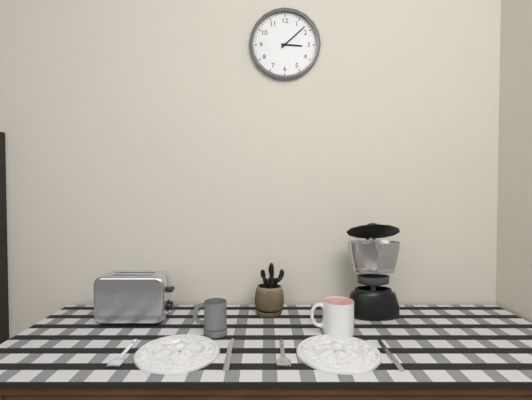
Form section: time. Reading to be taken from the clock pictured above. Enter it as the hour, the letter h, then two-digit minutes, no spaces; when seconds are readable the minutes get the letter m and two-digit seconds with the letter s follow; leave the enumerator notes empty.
3h08
